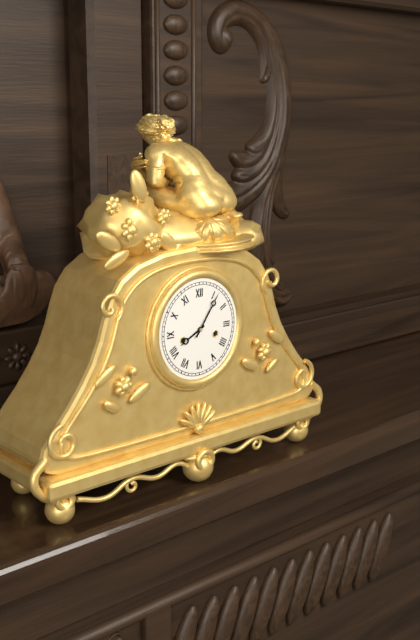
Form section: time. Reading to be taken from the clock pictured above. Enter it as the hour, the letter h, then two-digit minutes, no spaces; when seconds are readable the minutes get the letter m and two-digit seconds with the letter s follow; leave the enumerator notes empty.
8h06
